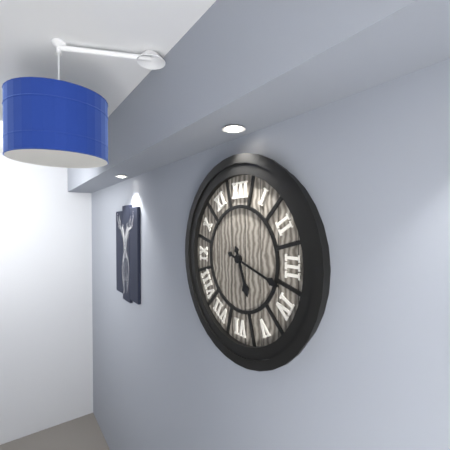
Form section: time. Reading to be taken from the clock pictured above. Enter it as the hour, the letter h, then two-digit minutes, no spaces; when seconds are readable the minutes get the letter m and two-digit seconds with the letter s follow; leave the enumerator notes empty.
5h18
